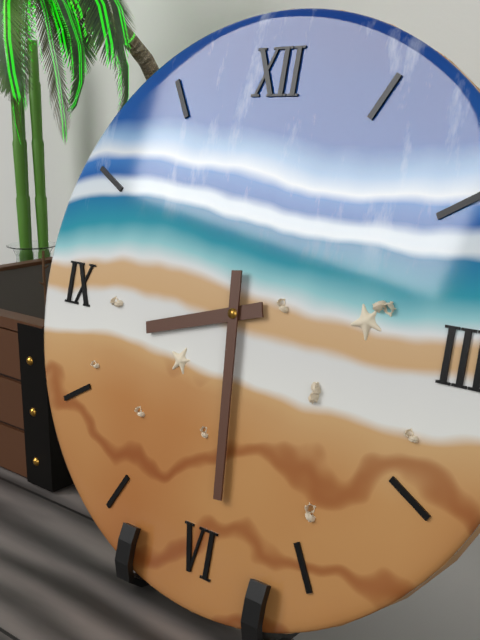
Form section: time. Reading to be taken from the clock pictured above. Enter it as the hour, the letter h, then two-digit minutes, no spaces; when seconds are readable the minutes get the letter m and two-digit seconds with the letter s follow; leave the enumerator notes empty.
8h29
